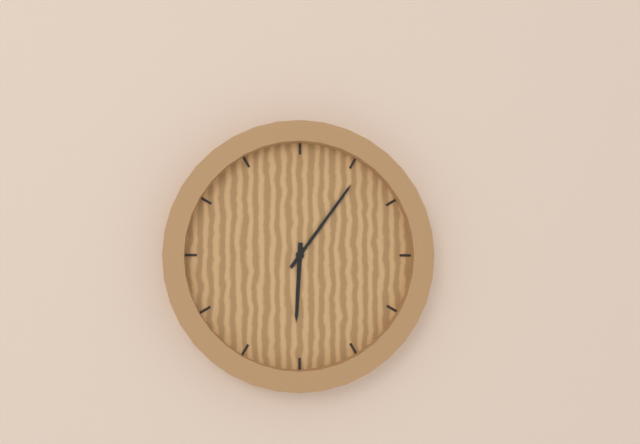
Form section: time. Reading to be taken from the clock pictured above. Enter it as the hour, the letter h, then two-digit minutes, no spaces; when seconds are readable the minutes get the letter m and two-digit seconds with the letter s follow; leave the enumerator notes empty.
6h06
